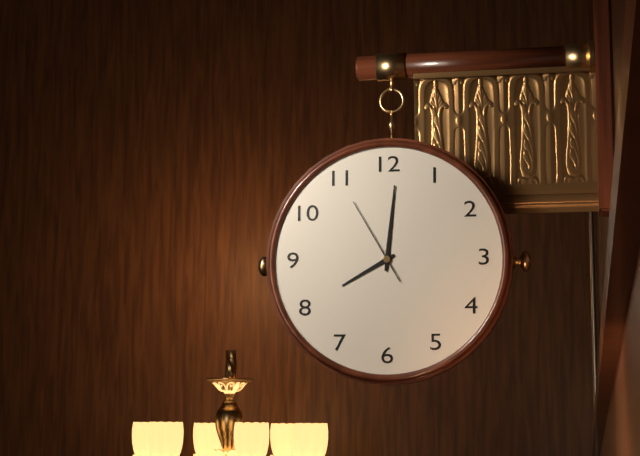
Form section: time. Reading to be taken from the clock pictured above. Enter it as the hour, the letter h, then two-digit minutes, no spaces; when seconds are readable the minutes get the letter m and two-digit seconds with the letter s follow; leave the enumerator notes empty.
8h01m55s
